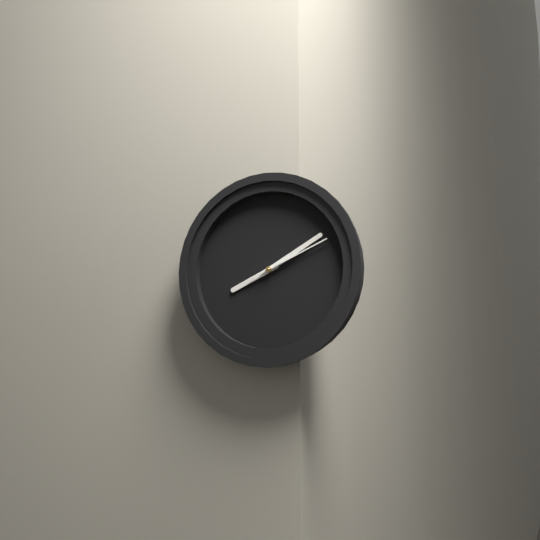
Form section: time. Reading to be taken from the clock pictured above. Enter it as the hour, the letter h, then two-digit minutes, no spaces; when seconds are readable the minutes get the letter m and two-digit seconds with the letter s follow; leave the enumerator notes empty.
8h10m11s
